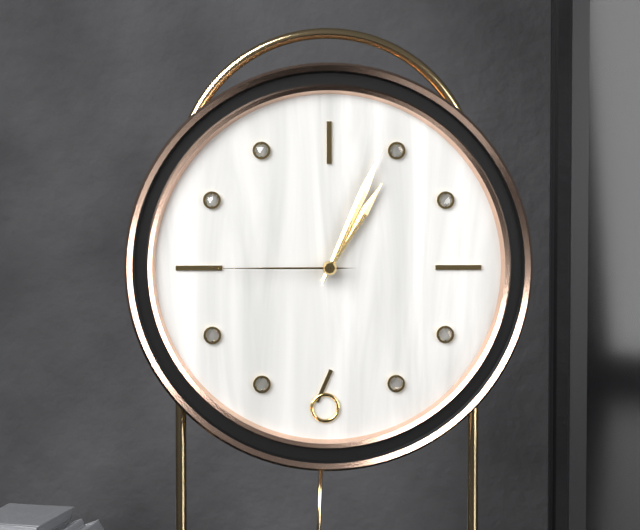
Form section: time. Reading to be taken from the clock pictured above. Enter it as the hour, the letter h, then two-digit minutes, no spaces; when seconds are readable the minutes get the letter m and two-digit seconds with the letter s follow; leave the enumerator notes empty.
1h04m45s
